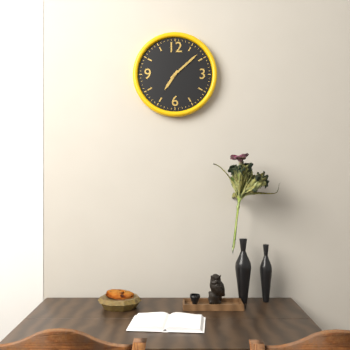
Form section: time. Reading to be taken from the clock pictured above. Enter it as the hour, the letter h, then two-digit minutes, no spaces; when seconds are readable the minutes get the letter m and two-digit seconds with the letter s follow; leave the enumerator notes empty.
7h08
